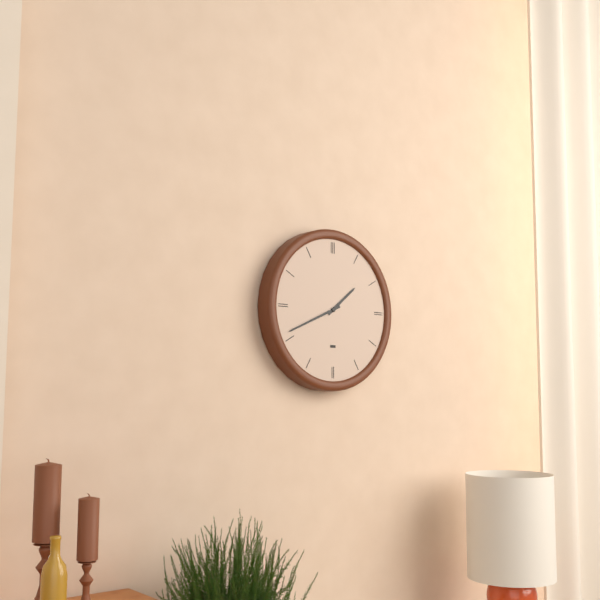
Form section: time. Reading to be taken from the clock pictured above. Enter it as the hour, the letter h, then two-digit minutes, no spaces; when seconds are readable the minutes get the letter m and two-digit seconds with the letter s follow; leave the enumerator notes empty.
1h41
